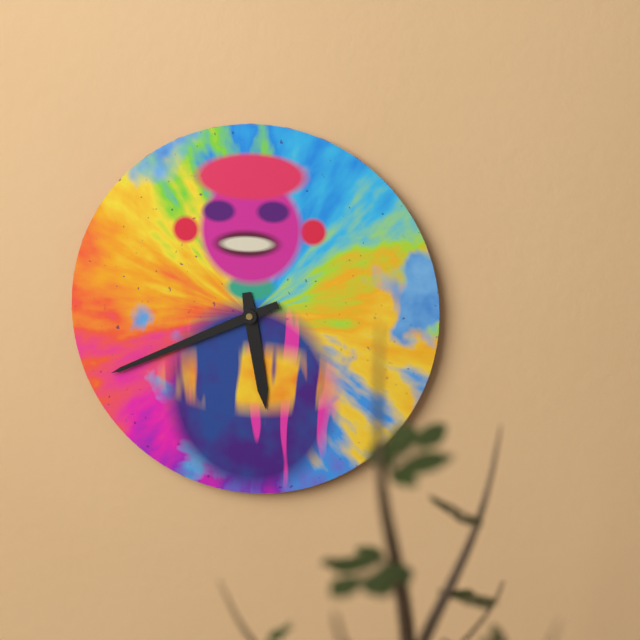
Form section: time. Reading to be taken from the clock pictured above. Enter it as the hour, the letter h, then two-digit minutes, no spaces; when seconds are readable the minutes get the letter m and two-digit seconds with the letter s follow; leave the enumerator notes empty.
5h41
